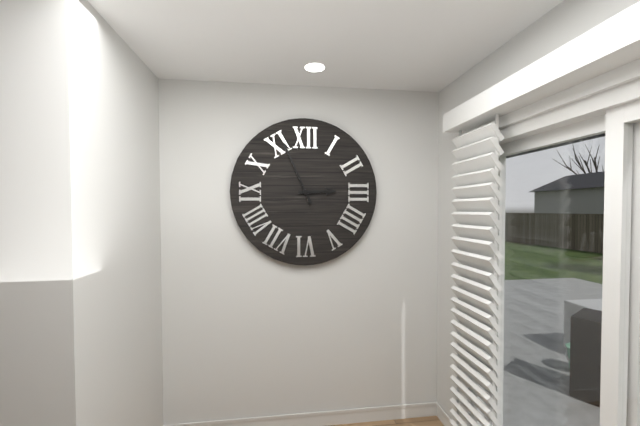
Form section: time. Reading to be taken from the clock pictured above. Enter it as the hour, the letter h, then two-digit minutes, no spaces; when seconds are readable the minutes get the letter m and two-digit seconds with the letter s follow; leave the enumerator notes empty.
2h56
